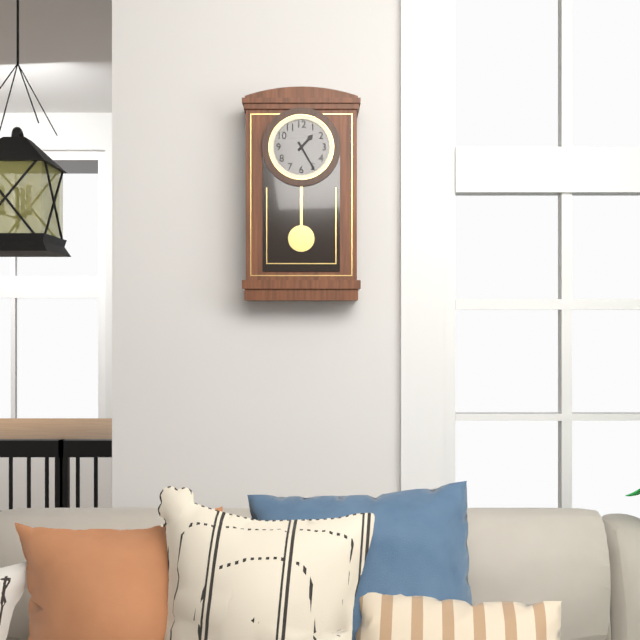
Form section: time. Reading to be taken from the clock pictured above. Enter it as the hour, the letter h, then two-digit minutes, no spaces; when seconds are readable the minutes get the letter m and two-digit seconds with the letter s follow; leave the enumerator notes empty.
1h25
